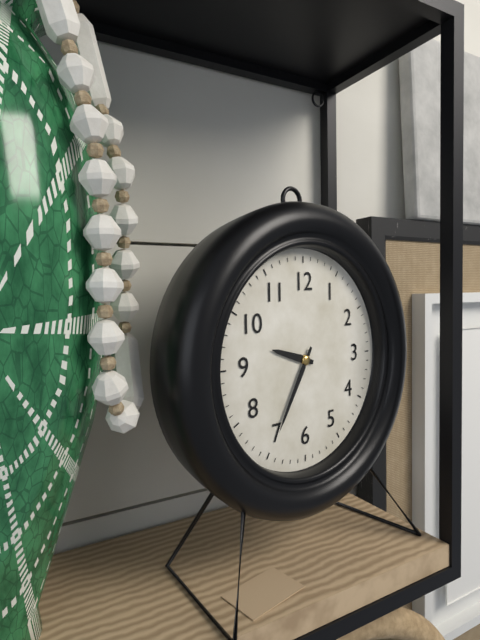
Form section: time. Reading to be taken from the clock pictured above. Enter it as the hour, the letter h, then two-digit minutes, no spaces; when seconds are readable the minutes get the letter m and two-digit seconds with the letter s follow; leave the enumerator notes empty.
9h35
